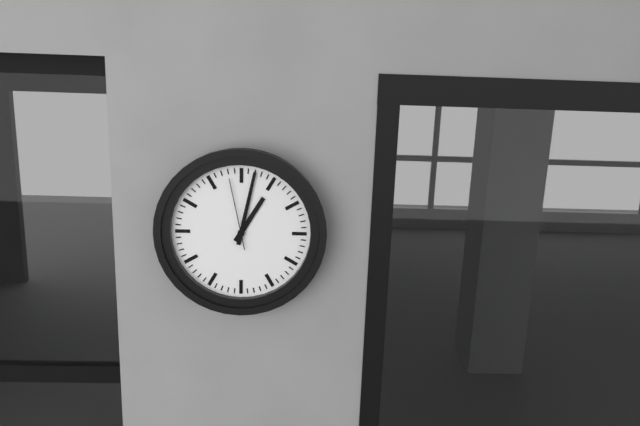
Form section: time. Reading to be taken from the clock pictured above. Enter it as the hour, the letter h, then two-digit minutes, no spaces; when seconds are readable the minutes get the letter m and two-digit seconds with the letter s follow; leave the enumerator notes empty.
1h02m58s
